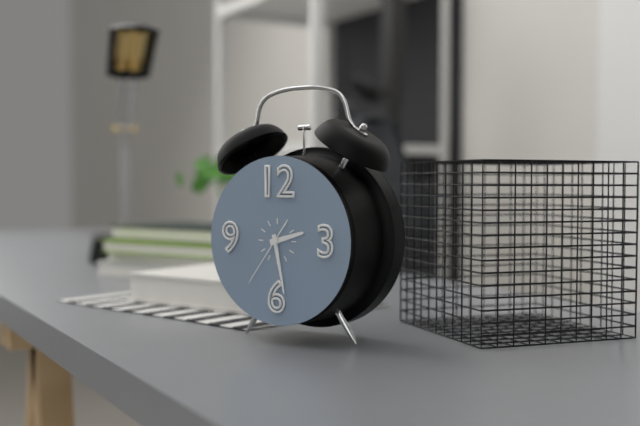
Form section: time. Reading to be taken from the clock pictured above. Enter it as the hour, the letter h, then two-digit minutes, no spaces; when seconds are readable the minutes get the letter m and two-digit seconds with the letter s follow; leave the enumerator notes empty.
2h28m36s
